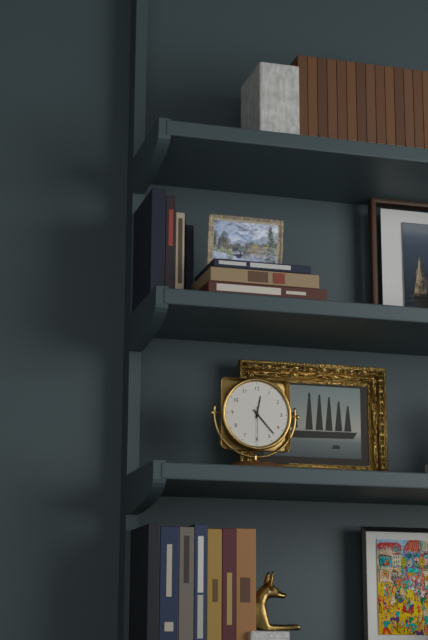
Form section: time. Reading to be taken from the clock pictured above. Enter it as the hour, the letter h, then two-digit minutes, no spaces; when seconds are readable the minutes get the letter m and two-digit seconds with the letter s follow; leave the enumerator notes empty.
12h23
